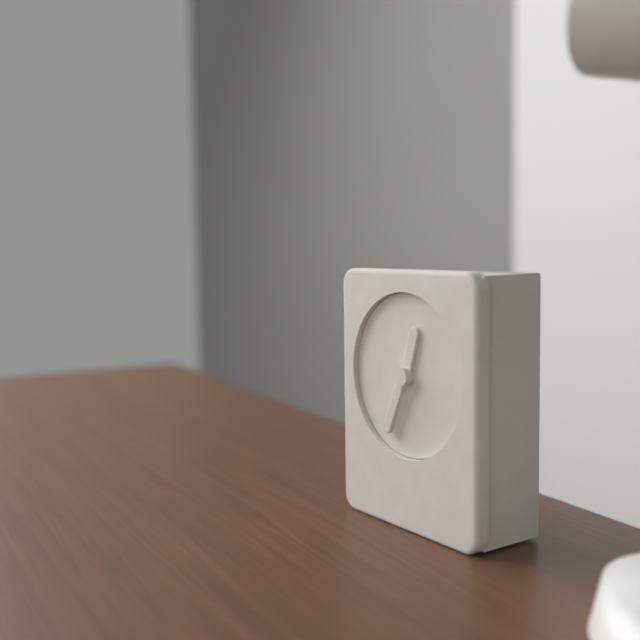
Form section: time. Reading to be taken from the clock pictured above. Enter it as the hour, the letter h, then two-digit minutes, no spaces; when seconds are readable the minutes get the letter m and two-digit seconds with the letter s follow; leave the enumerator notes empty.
12h34
